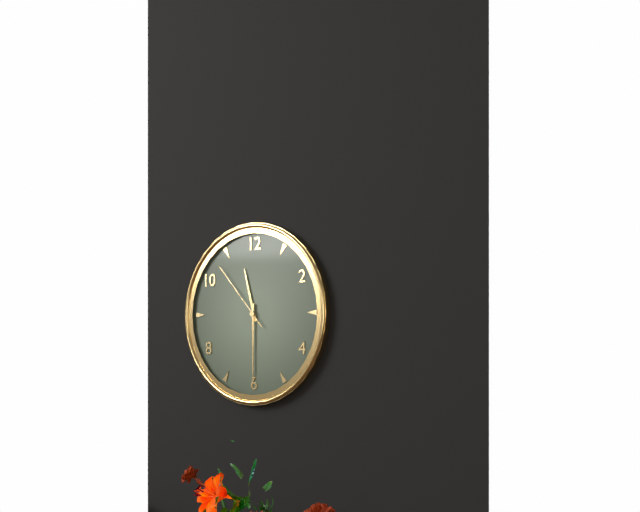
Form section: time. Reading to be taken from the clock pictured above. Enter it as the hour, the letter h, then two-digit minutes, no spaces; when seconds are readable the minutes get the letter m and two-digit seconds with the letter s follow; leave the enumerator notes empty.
11h30m53s
